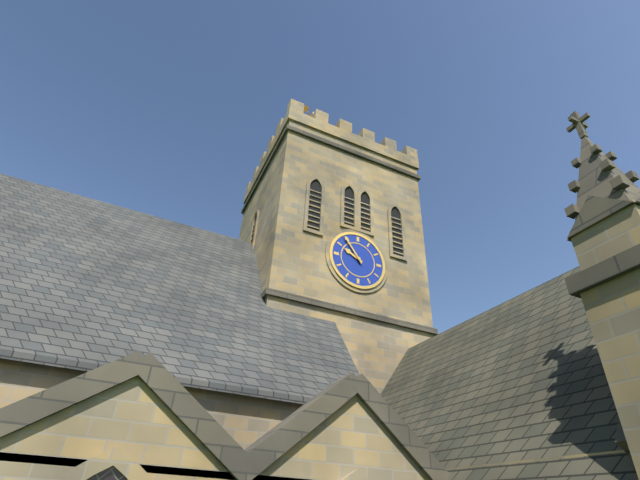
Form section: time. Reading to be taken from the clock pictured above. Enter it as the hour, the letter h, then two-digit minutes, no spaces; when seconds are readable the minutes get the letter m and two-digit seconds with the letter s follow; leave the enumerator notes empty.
9h54
